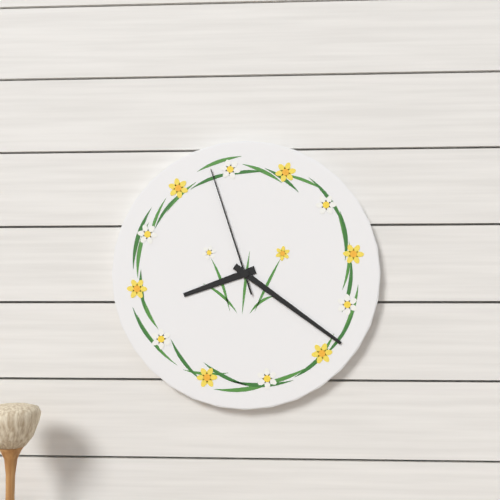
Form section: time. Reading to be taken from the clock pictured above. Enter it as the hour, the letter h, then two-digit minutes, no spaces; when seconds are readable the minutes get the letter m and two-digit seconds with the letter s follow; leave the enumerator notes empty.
8h21m57s
